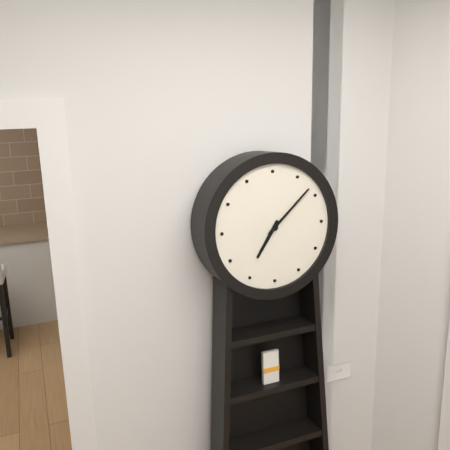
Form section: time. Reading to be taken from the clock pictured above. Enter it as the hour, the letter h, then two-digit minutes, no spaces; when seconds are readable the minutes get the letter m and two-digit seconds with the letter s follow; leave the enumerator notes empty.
7h08
